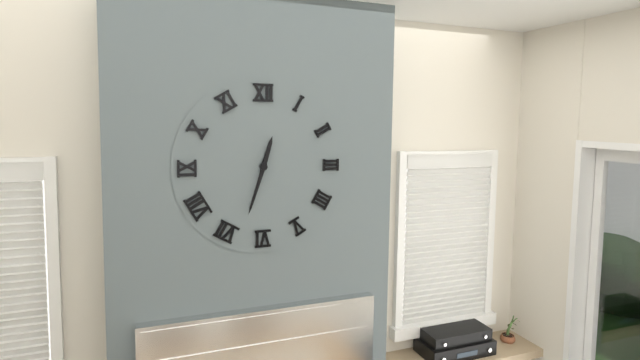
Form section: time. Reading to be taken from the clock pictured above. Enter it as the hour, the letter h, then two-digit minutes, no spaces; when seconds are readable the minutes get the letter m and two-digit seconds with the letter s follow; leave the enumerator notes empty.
12h33
